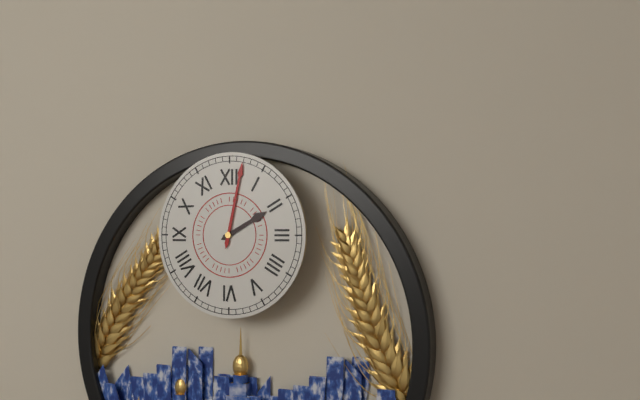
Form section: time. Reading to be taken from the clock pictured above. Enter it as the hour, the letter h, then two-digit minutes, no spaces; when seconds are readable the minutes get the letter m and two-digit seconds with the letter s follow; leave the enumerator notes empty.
2h02
